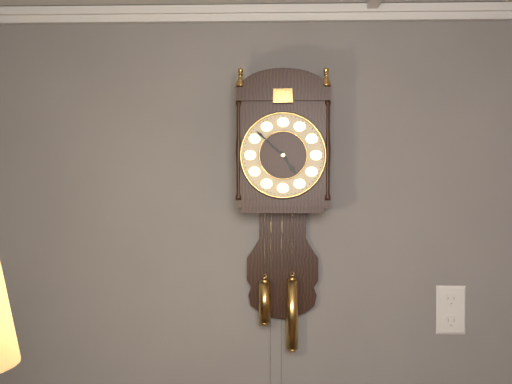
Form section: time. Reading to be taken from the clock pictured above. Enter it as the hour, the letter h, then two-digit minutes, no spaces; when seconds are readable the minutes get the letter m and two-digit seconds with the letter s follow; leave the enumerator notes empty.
4h52
